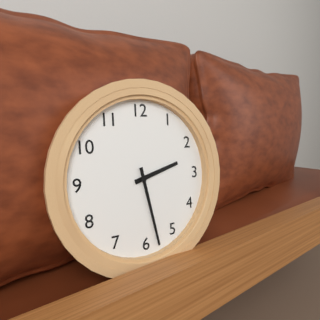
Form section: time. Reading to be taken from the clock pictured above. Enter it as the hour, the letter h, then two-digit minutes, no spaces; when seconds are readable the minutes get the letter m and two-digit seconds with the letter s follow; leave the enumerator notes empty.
2h28
